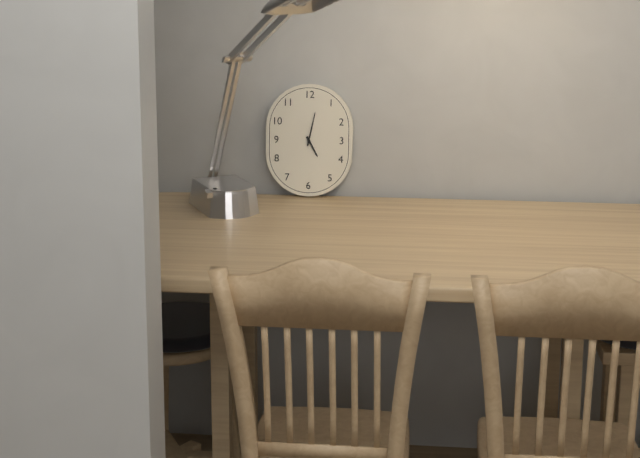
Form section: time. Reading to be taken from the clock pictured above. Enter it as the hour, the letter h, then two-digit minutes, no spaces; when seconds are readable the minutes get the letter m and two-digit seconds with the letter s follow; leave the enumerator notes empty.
5h02
